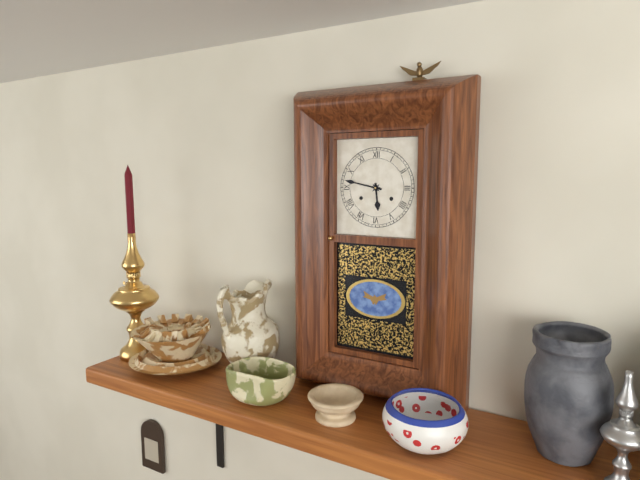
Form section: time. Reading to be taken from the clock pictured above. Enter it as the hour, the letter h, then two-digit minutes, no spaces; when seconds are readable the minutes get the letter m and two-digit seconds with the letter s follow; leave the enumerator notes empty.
5h47
